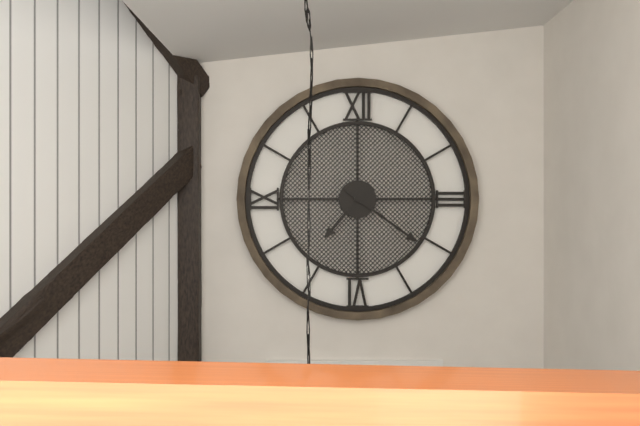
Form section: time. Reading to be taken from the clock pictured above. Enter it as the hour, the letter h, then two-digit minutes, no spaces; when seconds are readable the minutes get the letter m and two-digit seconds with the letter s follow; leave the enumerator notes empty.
7h21
